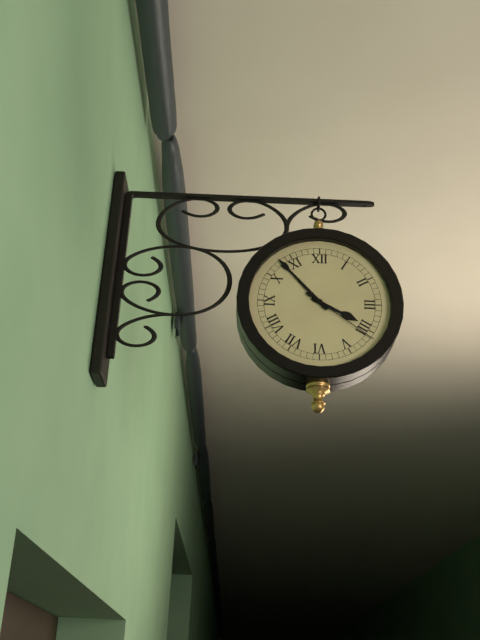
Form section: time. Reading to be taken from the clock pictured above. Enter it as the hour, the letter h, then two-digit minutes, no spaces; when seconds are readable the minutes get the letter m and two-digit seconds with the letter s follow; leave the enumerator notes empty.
3h53m21s
